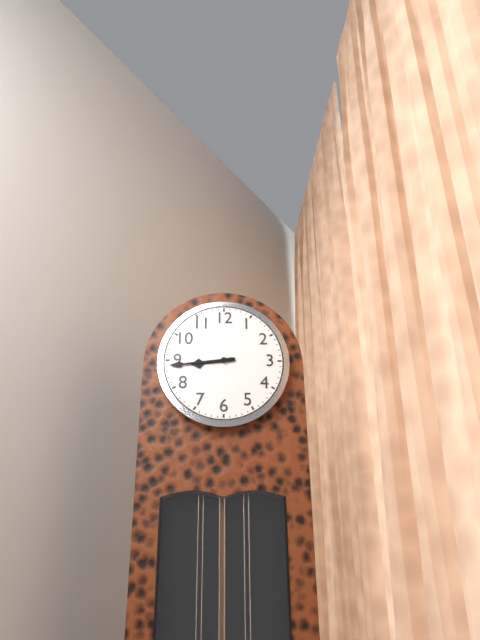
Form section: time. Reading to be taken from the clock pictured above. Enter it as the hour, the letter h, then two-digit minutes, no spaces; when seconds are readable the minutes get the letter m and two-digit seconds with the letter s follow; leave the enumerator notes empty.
8h44
